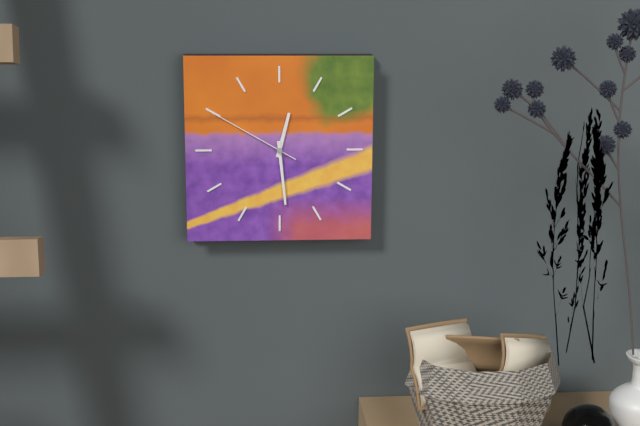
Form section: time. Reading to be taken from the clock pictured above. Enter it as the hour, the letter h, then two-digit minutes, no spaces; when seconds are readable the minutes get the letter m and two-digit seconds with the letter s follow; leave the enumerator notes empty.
12h29m50s
